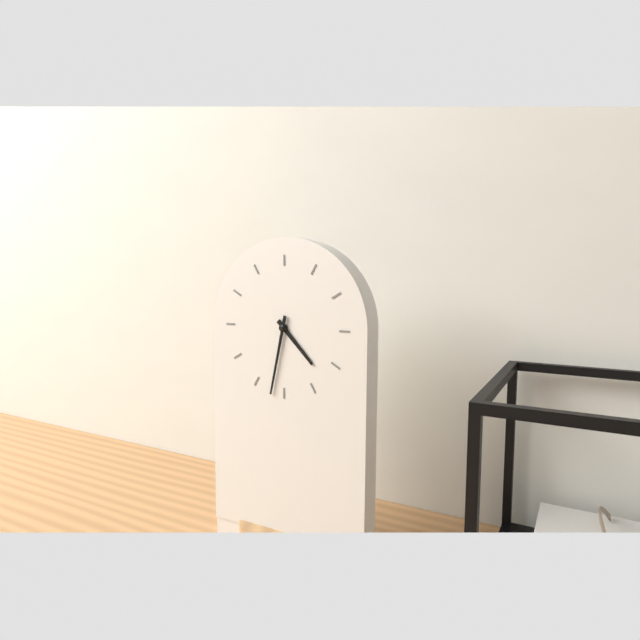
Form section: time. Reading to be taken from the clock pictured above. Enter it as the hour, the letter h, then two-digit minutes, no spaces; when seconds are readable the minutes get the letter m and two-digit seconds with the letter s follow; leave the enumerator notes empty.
4h32
